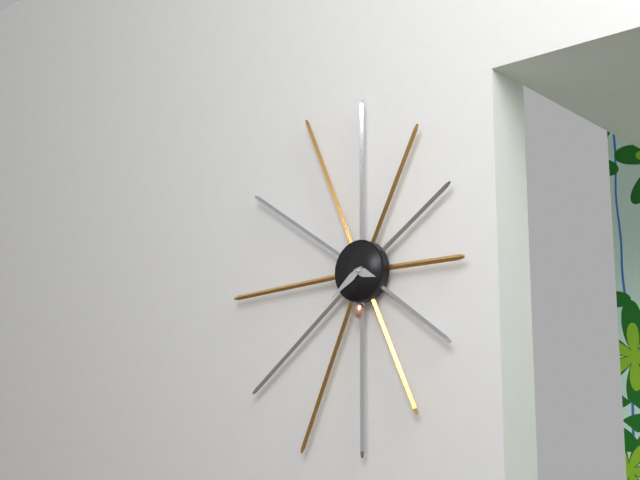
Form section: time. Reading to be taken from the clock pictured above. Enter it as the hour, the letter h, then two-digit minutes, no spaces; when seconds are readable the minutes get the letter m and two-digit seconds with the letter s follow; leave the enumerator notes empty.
3h39
